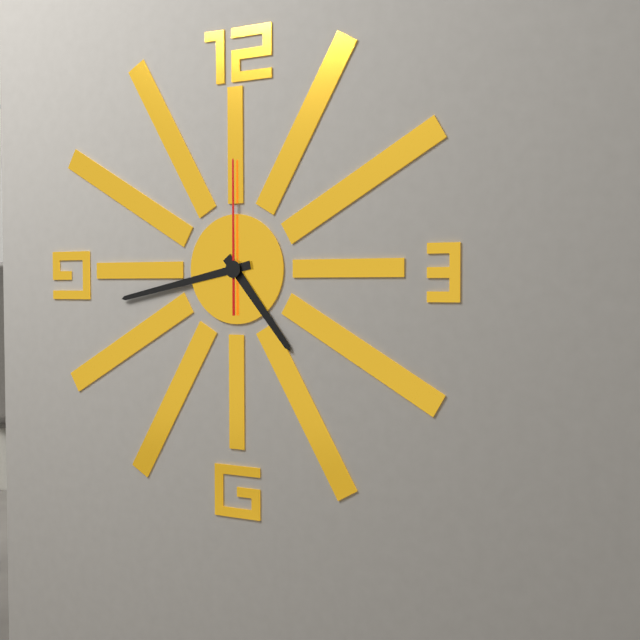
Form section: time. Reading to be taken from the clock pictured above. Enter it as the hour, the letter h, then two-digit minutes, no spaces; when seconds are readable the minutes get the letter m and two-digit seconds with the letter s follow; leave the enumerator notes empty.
4h43m00s
